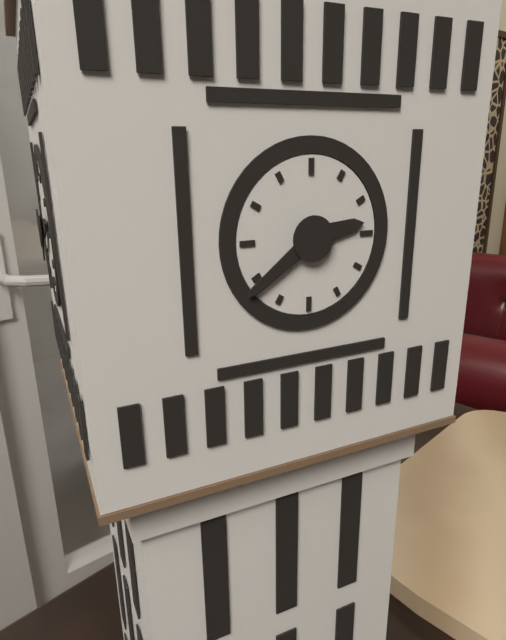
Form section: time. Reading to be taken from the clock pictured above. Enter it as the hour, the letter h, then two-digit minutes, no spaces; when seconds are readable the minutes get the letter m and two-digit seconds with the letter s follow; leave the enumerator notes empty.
2h39
